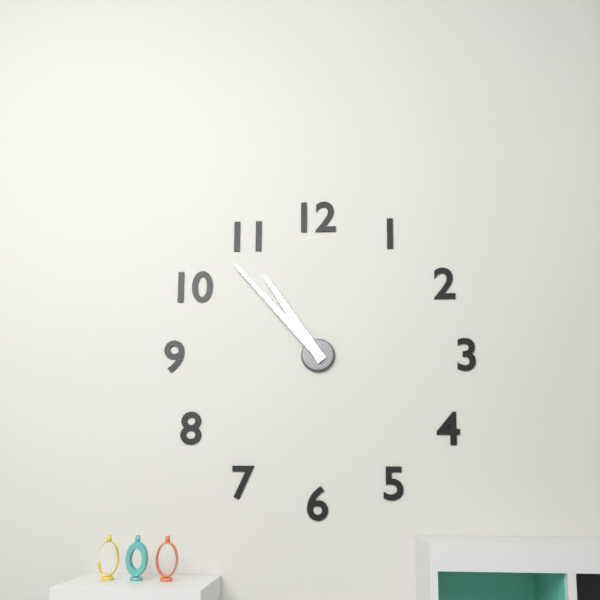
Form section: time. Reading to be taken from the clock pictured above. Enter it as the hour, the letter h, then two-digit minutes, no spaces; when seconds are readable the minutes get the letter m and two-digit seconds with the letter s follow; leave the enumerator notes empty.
10h53
